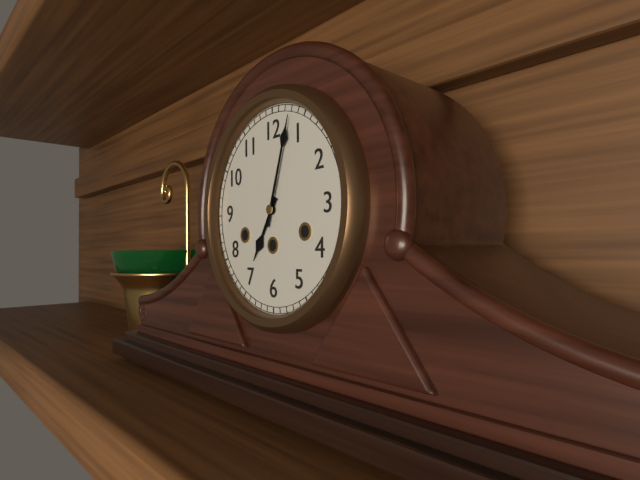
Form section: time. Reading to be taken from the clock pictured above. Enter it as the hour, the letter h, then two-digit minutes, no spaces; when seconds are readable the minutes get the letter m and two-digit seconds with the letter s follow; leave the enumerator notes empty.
7h03
